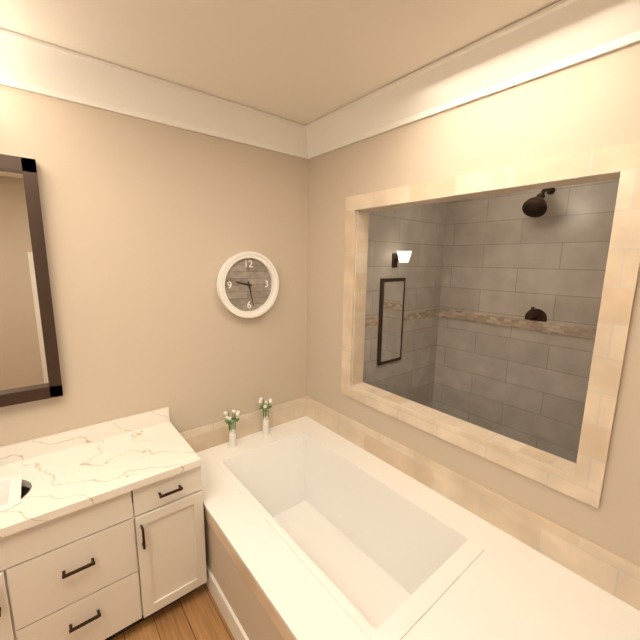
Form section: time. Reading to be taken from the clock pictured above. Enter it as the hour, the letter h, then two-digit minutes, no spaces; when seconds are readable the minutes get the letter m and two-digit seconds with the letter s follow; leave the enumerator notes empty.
9h28
